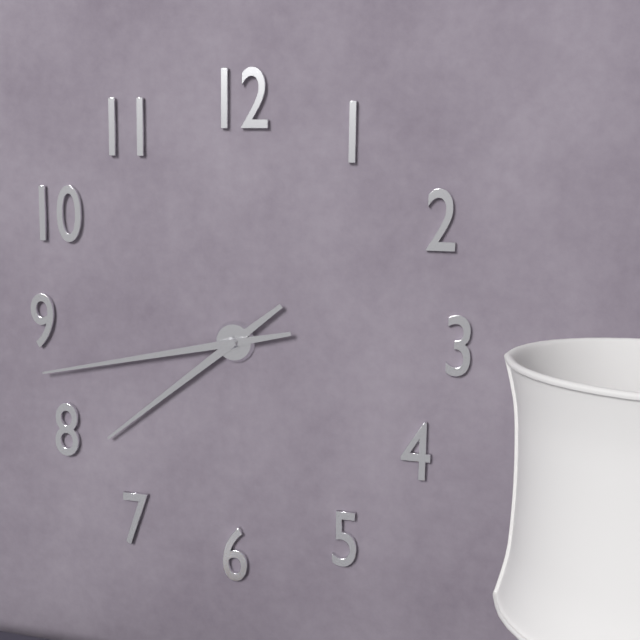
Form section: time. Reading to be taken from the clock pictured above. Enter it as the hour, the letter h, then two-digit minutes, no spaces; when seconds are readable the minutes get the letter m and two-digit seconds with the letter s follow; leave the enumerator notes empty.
7h43
